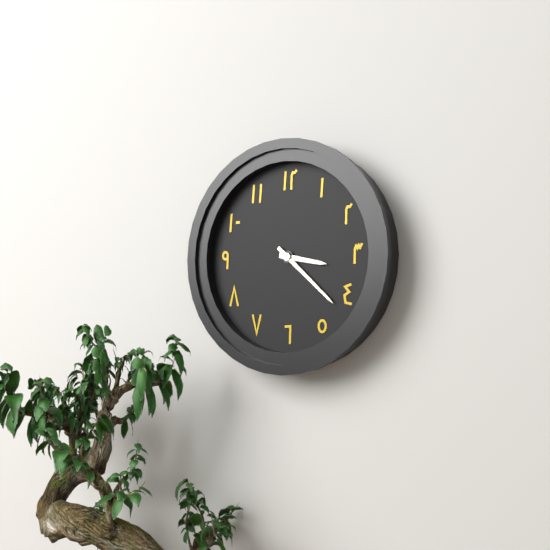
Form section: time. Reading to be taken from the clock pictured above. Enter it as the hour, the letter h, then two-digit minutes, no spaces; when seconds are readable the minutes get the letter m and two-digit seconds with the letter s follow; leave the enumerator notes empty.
3h22
